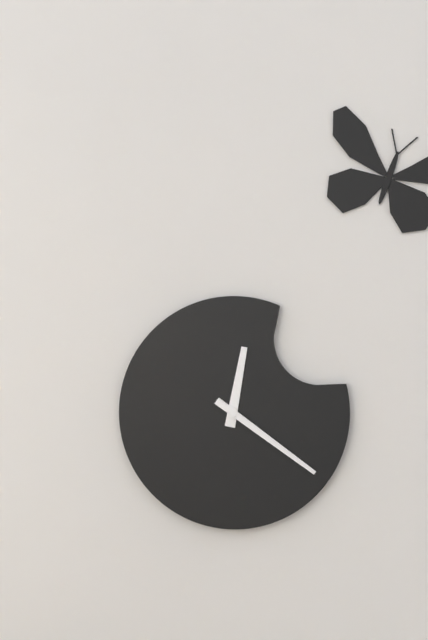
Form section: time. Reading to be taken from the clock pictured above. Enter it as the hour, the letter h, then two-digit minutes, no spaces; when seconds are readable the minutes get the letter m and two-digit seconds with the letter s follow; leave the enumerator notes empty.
12h21
